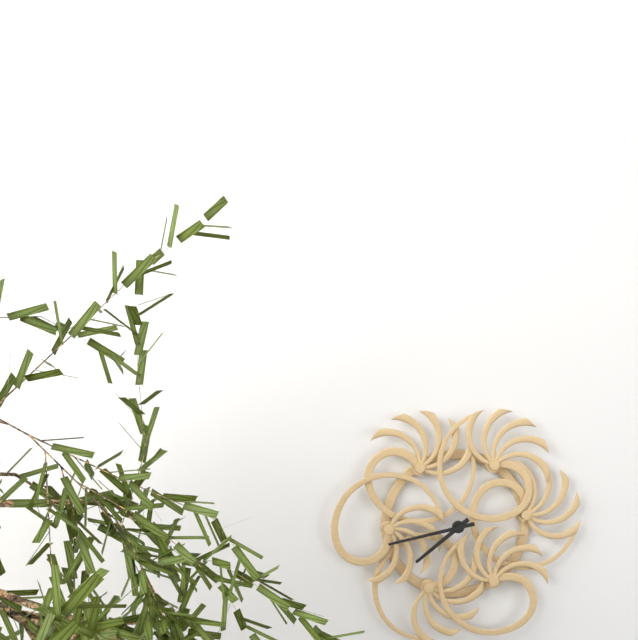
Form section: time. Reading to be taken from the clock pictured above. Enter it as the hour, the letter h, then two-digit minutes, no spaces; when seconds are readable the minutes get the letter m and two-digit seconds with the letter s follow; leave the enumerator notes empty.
7h43
